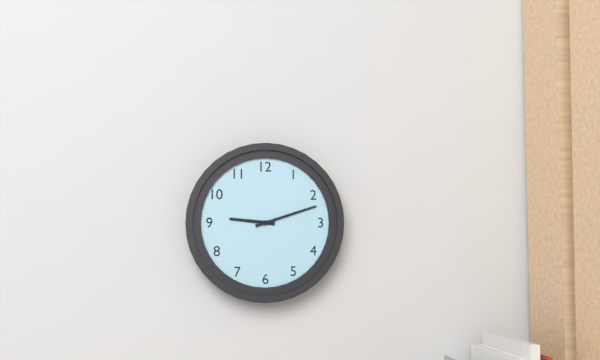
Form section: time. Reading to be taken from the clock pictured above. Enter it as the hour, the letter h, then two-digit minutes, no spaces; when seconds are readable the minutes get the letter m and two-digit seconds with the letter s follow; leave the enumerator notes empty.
9h12
